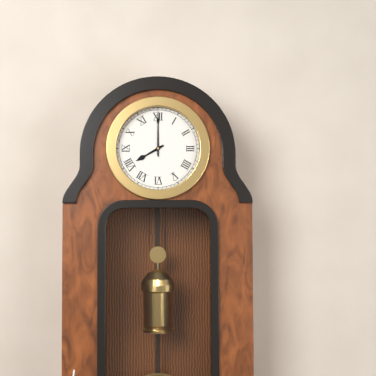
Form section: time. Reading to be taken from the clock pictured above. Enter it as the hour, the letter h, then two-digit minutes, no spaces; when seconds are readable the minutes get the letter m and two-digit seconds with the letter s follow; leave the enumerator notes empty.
8h00
